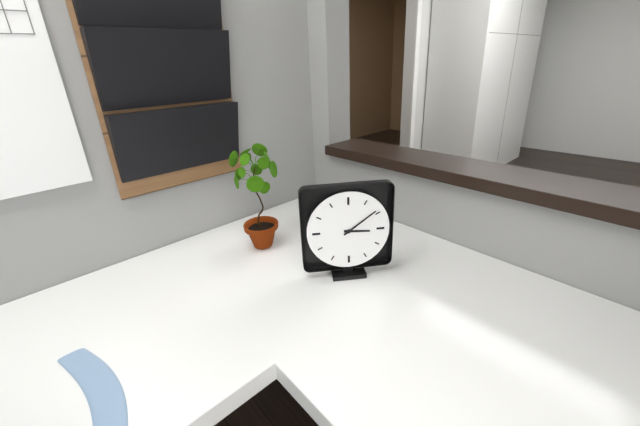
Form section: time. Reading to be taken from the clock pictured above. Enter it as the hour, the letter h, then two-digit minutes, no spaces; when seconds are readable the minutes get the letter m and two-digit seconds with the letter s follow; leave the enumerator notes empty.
3h09
